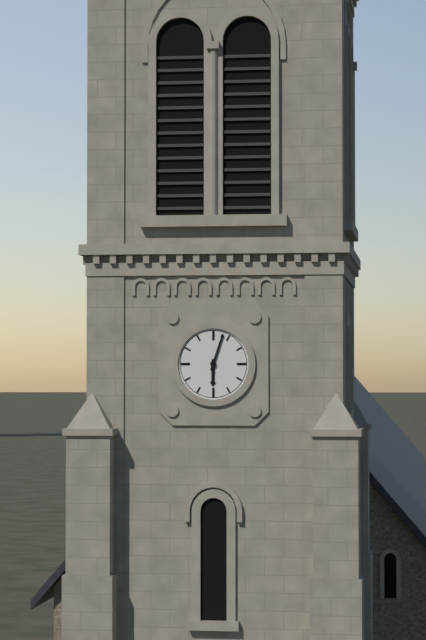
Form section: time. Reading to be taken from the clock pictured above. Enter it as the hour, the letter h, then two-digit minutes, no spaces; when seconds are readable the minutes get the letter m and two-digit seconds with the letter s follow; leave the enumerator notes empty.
6h03
